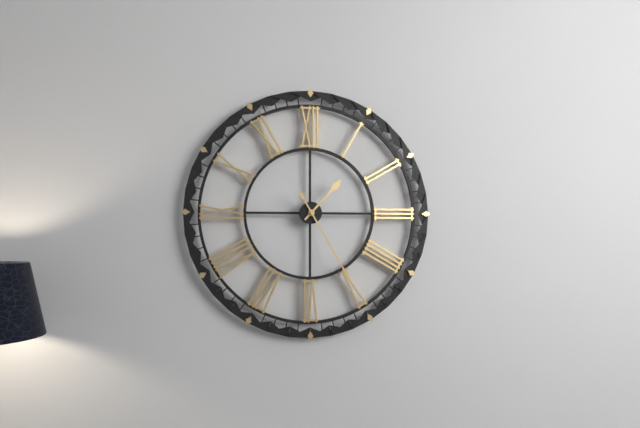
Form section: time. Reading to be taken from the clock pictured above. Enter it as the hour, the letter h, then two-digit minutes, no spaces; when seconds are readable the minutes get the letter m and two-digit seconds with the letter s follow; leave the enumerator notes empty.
1h25
